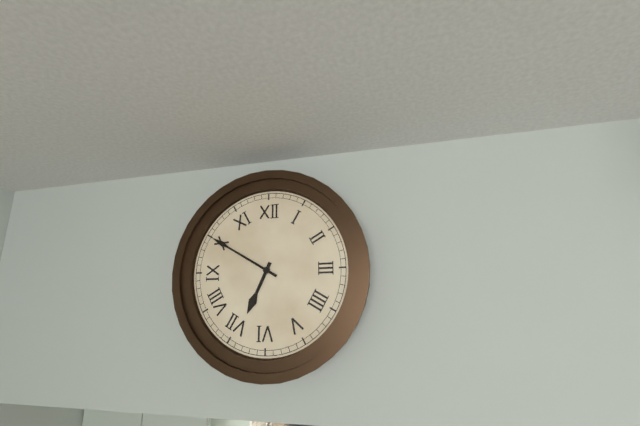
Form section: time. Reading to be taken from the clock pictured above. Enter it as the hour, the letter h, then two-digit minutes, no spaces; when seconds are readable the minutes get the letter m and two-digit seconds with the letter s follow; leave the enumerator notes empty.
6h50
